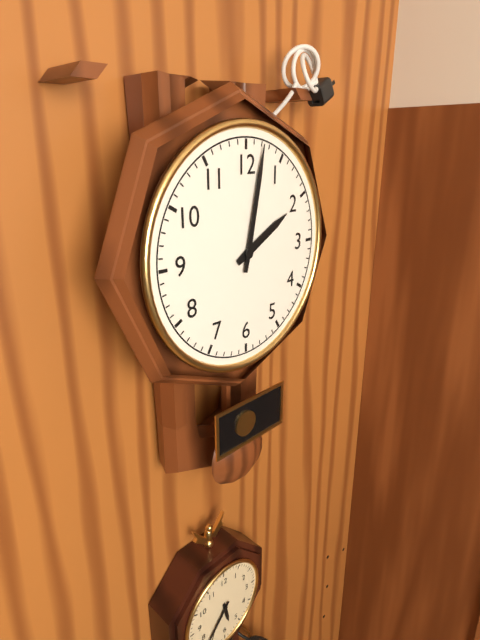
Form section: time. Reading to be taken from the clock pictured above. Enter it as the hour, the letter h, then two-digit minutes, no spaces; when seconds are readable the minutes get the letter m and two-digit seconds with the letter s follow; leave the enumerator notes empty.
2h02
